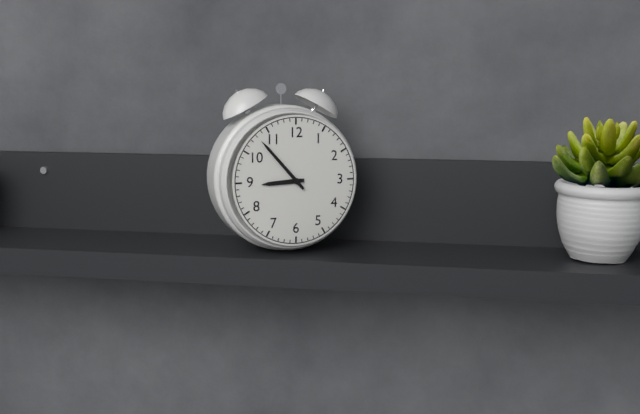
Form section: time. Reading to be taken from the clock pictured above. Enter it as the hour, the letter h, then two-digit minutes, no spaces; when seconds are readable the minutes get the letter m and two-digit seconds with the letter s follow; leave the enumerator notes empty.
8h53
